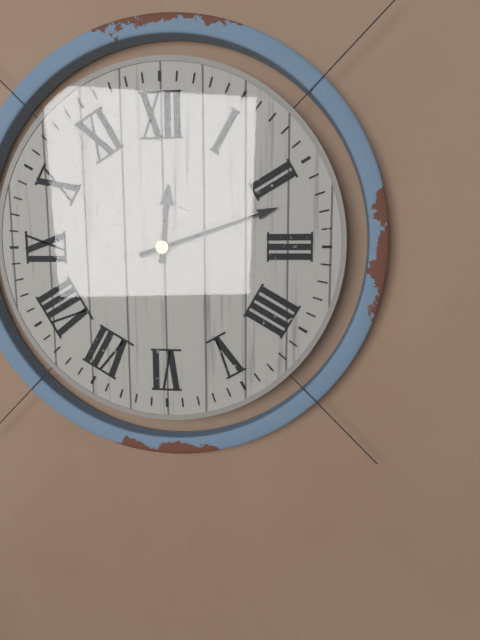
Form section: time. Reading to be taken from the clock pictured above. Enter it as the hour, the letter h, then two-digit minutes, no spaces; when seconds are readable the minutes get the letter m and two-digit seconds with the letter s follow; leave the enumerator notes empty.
12h12
